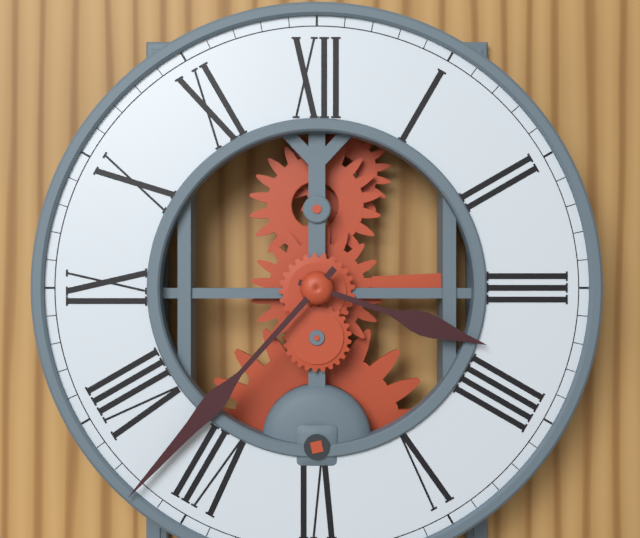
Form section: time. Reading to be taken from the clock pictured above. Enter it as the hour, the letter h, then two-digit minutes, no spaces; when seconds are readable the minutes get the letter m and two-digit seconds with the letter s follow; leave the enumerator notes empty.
3h37
